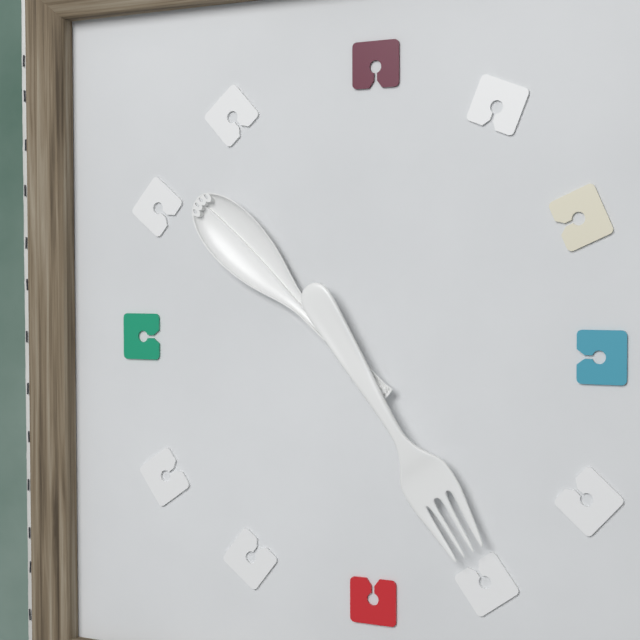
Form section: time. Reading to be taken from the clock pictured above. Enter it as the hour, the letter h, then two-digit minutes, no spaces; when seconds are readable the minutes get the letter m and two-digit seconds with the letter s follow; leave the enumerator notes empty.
4h52
